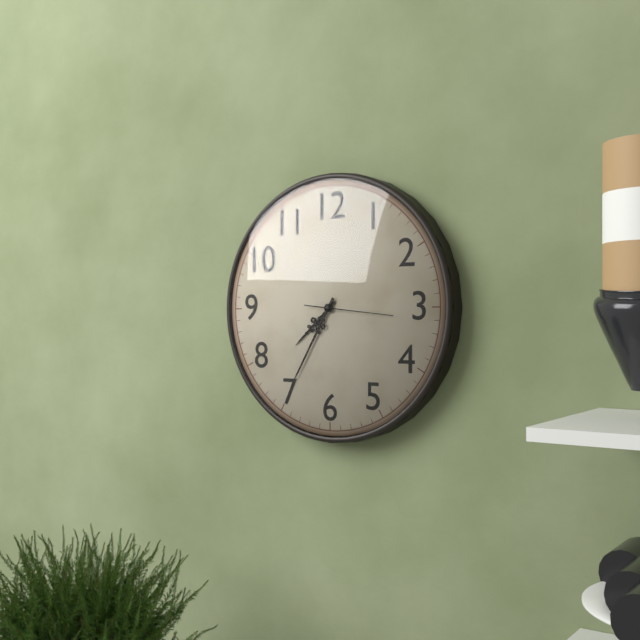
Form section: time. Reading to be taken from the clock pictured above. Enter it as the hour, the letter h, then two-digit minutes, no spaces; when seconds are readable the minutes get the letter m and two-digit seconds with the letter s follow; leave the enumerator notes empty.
7h35m16s
